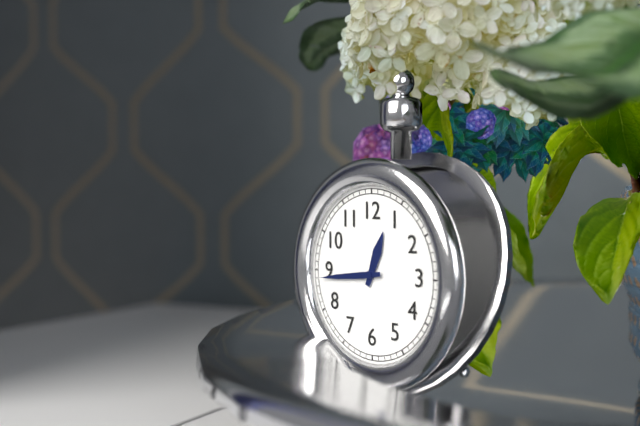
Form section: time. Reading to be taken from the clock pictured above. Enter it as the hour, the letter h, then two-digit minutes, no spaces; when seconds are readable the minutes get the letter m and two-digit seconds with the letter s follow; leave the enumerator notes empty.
12h44
